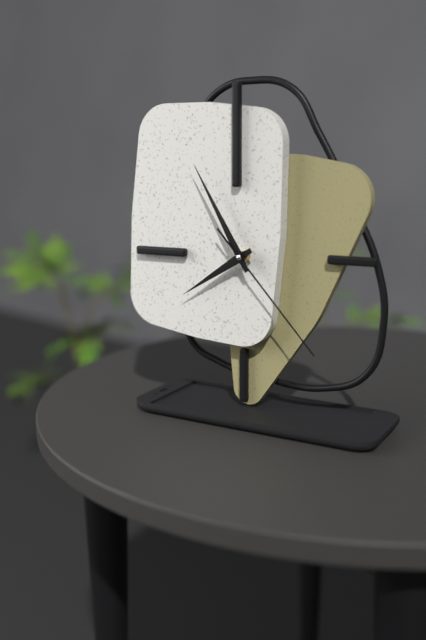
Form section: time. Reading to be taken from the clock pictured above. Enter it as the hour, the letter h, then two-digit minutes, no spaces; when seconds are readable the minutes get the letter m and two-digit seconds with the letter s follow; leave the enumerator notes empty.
7h55m23s
